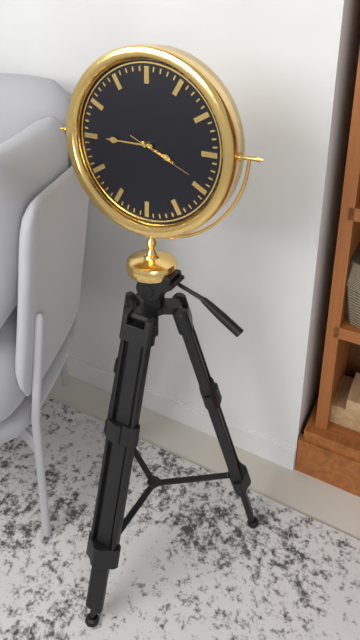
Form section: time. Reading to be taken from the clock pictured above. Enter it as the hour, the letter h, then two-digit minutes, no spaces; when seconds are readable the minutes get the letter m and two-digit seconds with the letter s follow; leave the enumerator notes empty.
3h45m19s
